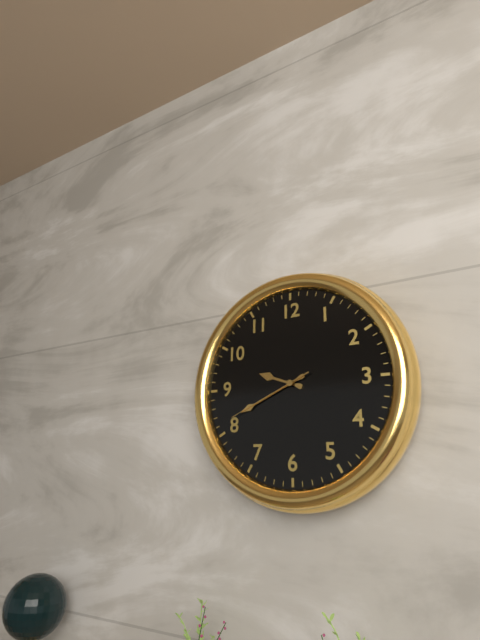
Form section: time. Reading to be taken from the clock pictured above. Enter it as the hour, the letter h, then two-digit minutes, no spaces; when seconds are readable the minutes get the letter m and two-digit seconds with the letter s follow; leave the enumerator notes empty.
9h41m41s
